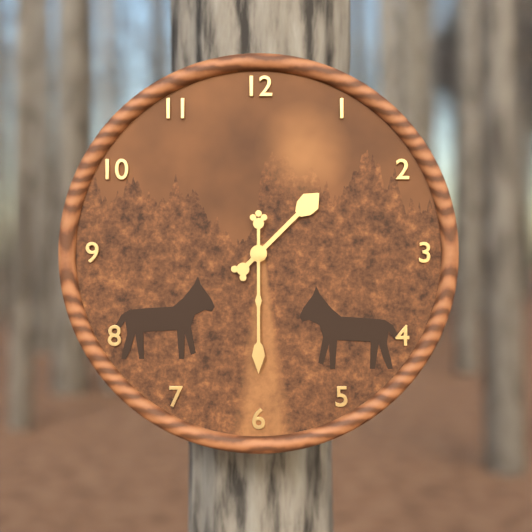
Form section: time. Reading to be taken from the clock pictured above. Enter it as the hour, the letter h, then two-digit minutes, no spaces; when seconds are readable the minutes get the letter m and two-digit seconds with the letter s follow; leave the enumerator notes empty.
1h30
